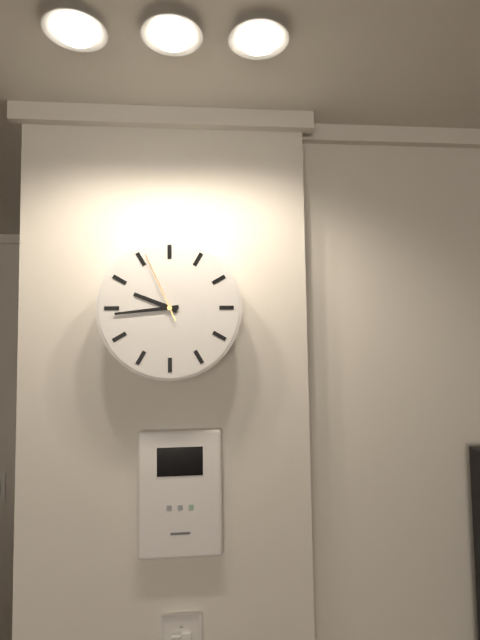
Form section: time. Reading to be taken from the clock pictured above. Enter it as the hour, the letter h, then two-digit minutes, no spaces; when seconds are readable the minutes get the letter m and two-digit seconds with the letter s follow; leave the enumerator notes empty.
9h44m56s
